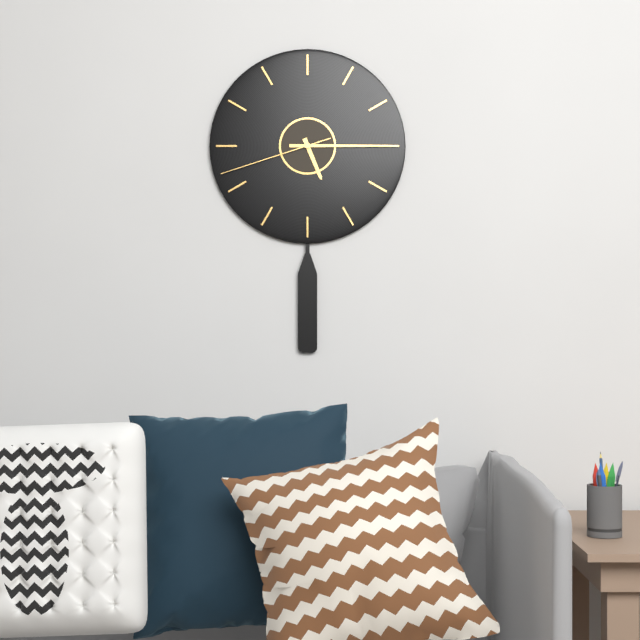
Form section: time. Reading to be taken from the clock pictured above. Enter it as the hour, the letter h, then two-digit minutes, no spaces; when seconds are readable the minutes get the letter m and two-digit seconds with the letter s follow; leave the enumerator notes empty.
5h15m42s
